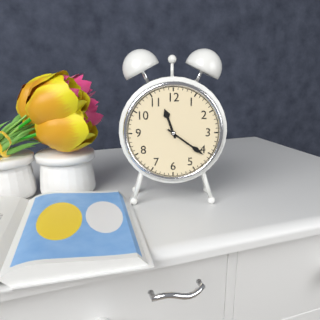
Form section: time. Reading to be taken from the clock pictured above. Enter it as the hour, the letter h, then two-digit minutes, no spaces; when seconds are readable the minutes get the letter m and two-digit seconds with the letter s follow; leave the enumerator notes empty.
11h21
